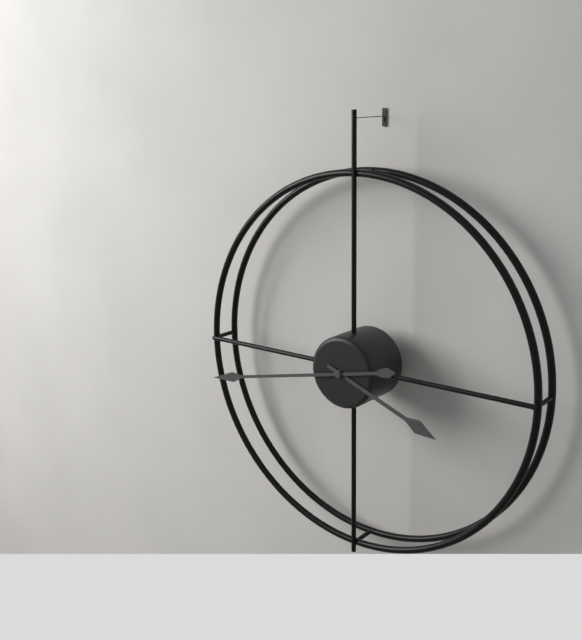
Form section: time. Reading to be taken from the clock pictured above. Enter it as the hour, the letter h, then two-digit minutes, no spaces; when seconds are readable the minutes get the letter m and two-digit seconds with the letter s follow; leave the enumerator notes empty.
3h43
